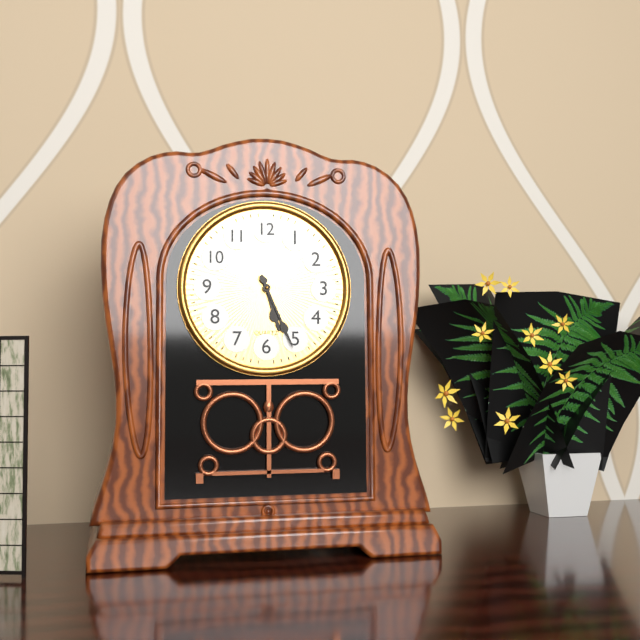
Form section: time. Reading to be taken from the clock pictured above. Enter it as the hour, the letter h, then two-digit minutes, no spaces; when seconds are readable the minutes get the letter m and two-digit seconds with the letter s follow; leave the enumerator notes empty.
5h26
